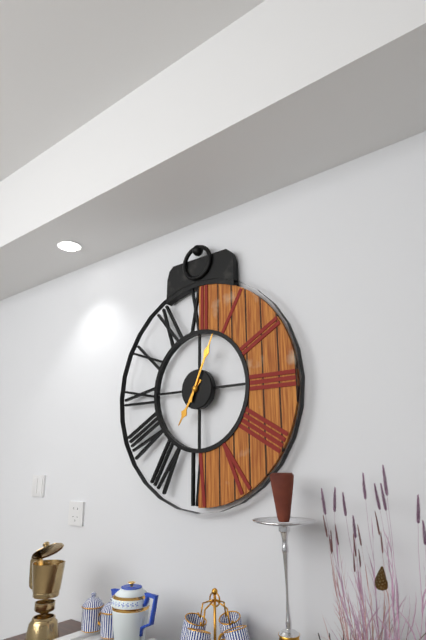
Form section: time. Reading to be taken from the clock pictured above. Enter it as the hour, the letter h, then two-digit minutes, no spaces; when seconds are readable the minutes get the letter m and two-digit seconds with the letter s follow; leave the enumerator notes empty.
7h04
